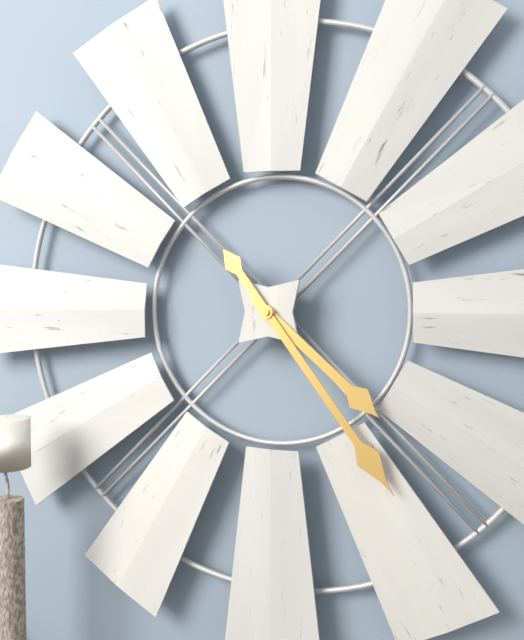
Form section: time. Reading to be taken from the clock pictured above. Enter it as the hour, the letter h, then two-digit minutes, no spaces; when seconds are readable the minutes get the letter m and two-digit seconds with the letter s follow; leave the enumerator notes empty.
4h24
